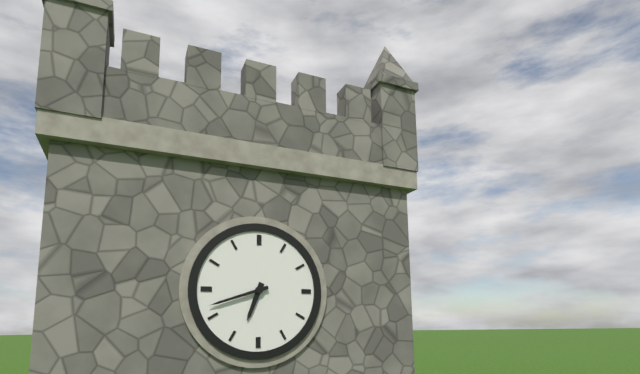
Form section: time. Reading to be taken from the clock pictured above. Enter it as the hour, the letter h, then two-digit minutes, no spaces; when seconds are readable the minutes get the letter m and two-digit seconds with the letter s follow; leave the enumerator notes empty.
6h42
